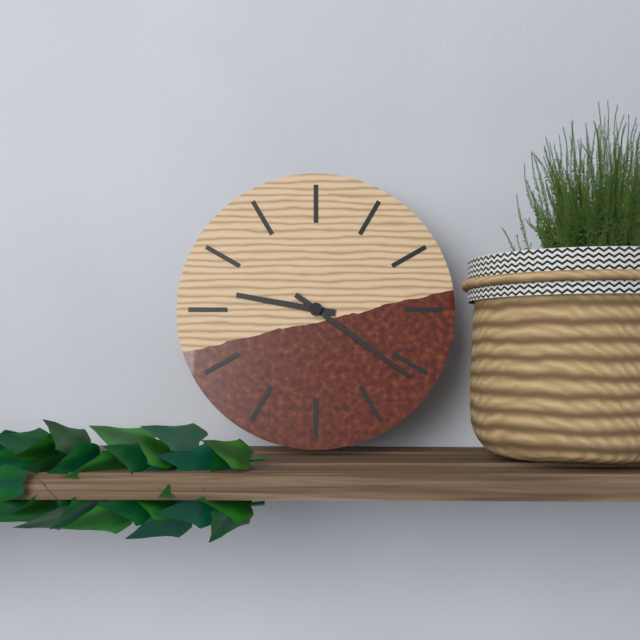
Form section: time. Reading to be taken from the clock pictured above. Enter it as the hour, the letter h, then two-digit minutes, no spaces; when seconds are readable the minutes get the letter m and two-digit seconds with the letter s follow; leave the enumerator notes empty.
9h21
